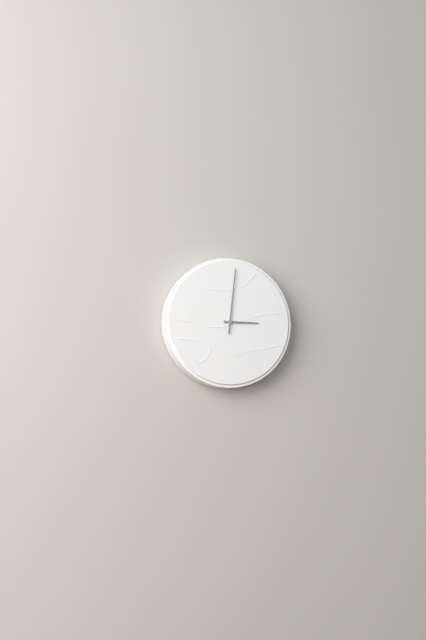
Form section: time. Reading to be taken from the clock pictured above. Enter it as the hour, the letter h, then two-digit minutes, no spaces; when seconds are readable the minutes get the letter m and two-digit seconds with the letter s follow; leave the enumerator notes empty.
3h01
